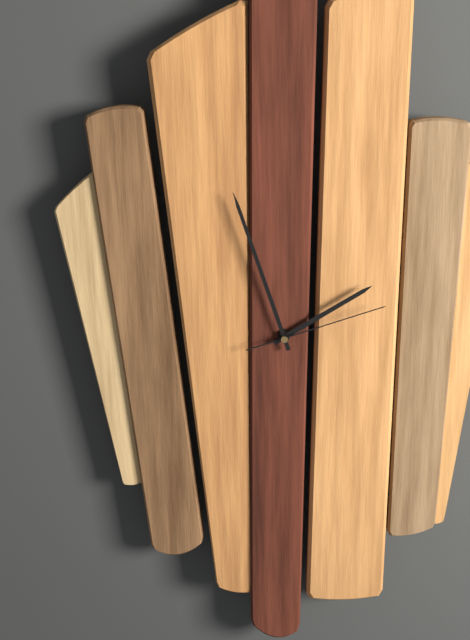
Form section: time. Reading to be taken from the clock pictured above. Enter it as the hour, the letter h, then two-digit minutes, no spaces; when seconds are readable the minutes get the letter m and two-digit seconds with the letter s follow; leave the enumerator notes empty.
1h57m12s
